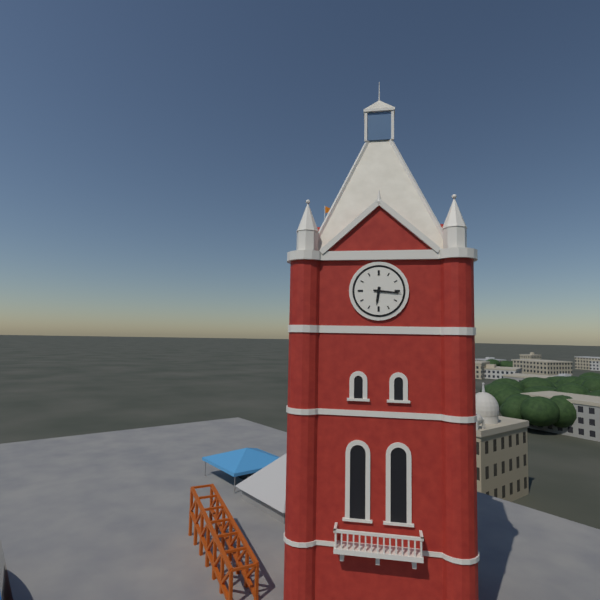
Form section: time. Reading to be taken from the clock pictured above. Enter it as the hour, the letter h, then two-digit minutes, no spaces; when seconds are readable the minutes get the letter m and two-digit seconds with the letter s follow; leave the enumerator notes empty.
6h16
